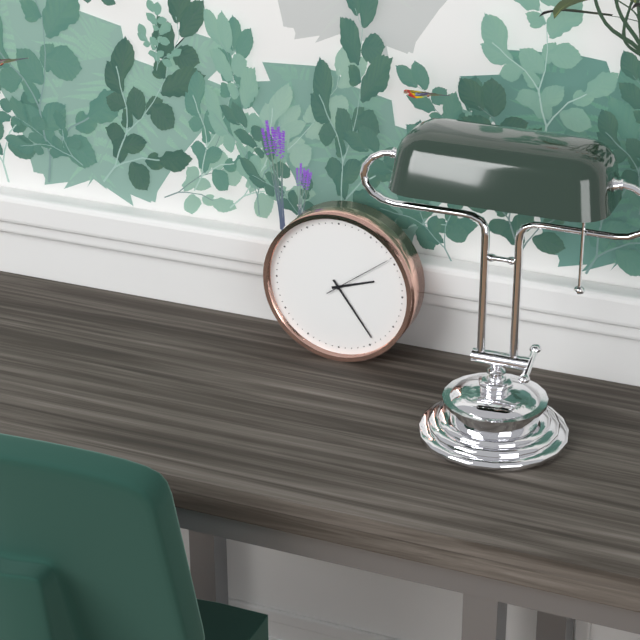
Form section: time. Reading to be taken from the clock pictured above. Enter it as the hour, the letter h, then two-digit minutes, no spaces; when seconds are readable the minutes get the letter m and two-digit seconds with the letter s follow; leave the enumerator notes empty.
2h24m09s
